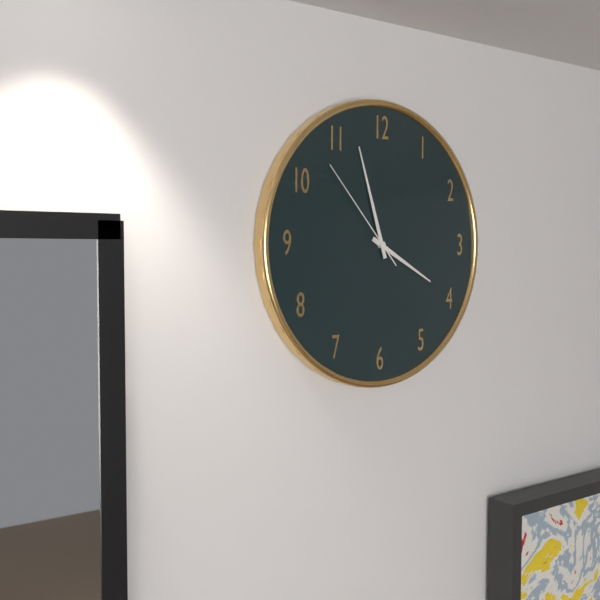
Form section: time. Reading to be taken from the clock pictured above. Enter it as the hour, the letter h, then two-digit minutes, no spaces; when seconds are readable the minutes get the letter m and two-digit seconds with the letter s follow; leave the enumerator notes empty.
3h57m53s
